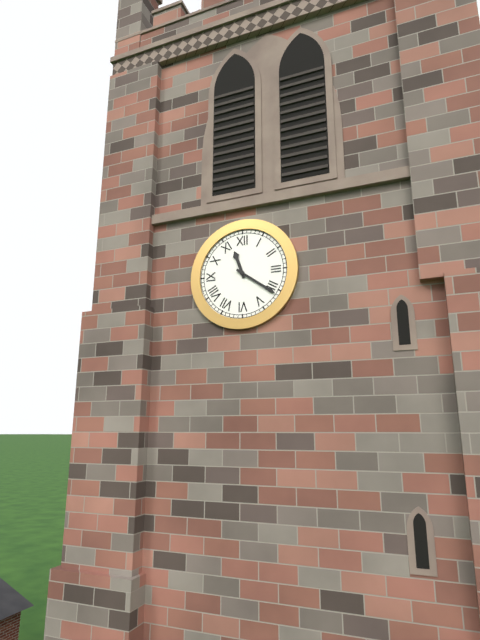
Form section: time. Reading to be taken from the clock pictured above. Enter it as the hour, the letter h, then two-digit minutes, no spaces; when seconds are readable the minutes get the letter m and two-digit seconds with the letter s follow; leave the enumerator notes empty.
11h21
